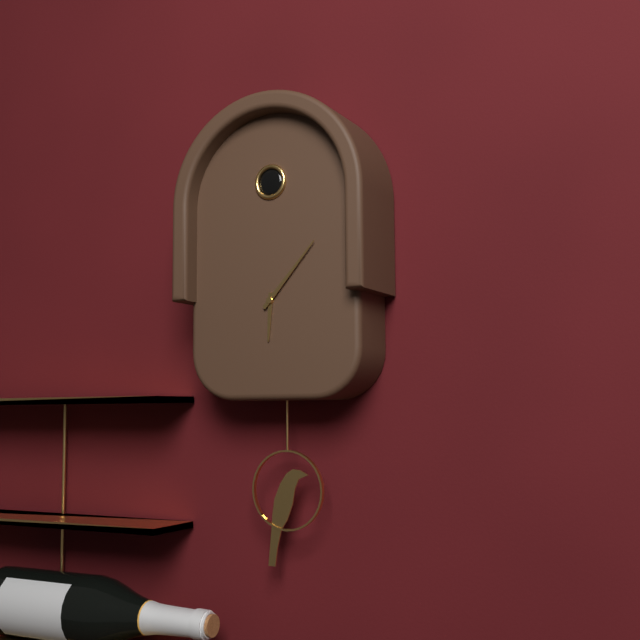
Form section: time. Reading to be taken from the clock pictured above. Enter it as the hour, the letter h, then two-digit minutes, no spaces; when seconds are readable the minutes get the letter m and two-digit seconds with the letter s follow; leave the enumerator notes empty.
6h07
